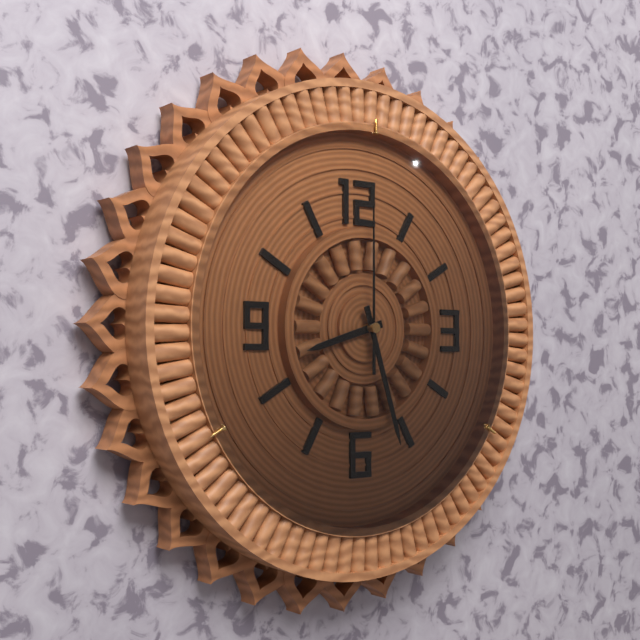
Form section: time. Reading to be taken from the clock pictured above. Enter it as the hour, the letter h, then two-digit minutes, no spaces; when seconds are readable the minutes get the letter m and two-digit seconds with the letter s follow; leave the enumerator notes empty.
8h27m00s
